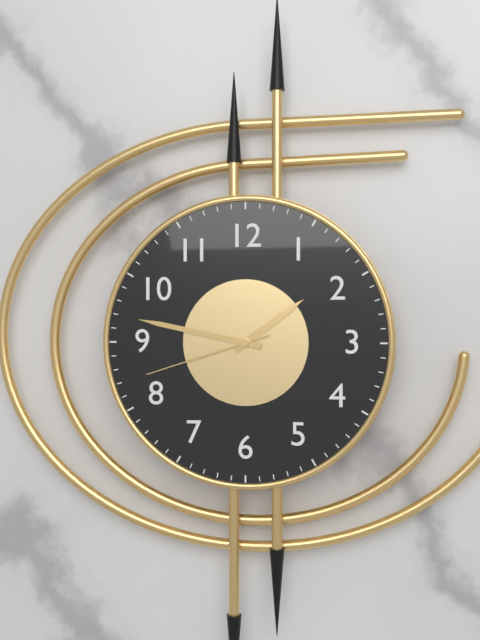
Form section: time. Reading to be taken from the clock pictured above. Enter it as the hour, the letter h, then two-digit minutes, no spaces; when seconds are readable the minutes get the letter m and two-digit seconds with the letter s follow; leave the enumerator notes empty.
1h47m42s
